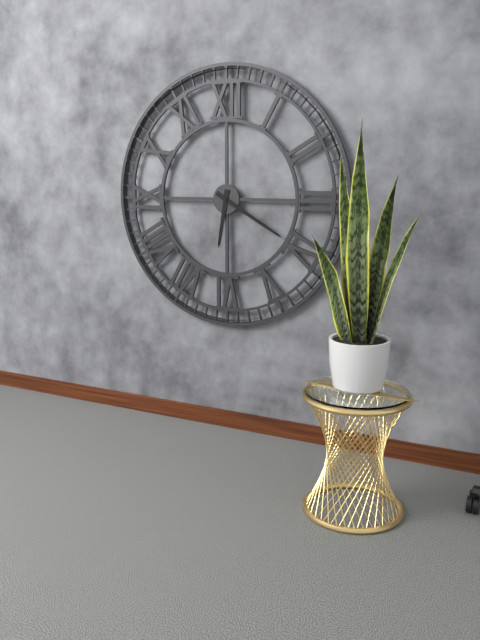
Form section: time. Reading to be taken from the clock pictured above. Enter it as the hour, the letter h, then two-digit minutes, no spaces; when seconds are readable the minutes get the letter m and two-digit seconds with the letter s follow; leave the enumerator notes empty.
6h20
